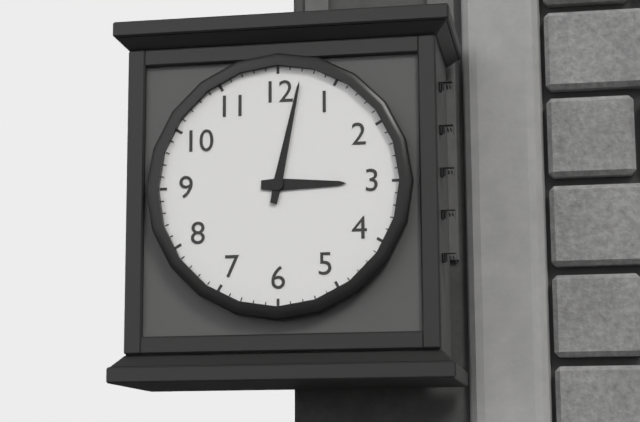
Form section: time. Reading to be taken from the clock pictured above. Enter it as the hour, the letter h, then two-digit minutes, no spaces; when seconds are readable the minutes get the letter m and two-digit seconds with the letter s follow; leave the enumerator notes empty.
3h02
